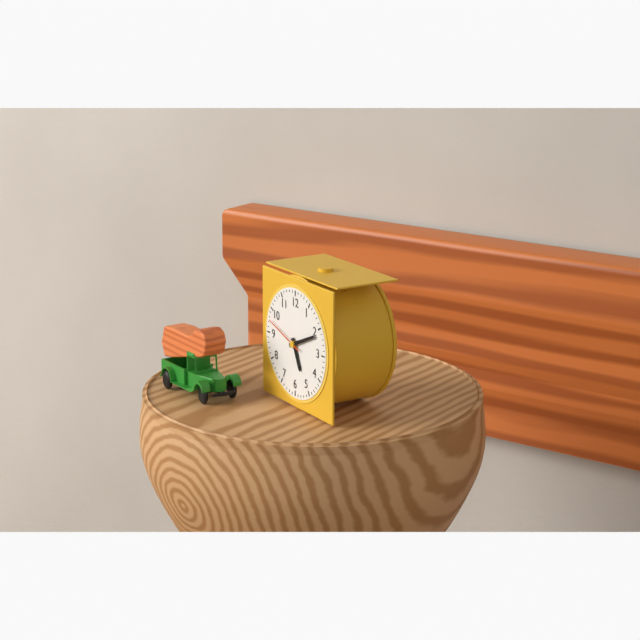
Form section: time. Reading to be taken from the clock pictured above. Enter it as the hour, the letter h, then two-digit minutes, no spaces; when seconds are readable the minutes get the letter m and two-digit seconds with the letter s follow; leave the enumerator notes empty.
5h11
